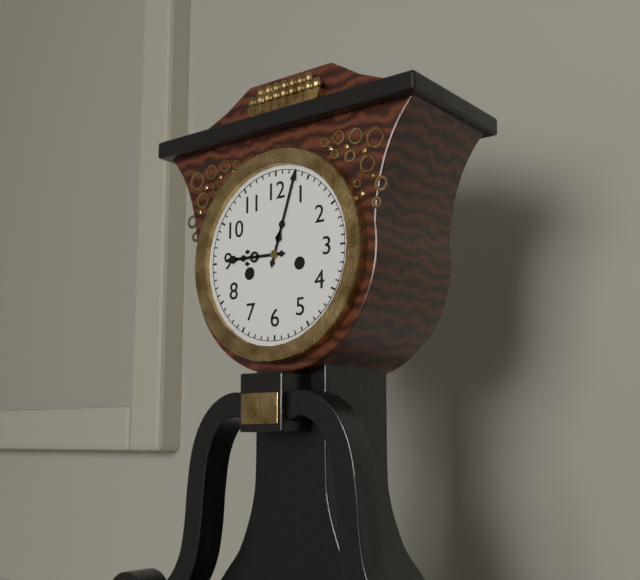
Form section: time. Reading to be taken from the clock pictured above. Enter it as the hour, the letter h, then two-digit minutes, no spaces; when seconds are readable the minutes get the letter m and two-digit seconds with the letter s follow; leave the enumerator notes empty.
9h03
